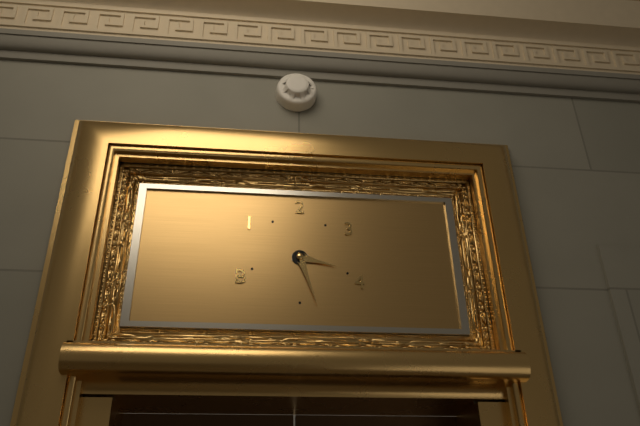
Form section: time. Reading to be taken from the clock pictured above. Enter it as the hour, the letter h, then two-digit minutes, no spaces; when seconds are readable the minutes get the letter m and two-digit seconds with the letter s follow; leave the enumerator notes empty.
3h27
